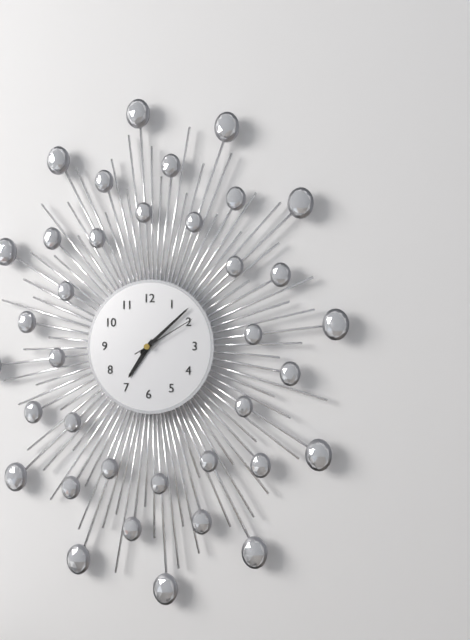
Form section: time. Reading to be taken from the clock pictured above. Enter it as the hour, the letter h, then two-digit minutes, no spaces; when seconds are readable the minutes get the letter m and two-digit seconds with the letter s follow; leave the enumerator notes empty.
7h08m10s
